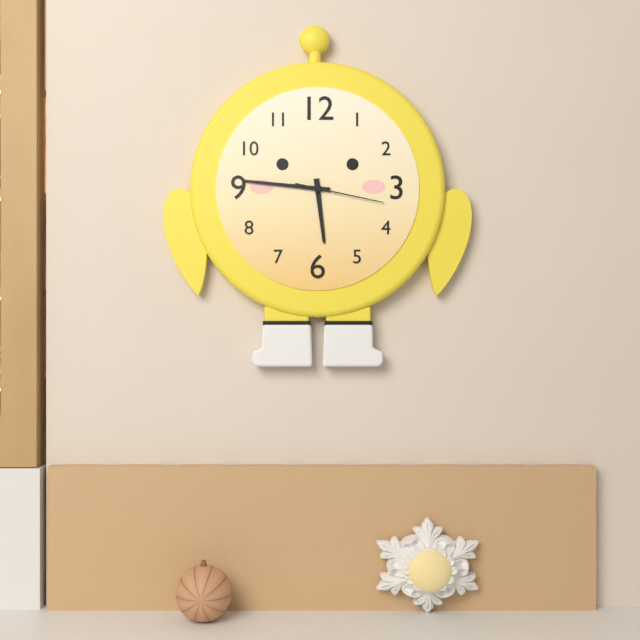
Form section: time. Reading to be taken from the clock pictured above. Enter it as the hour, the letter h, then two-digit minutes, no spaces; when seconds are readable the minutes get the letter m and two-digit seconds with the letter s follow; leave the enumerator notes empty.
5h46m17s
